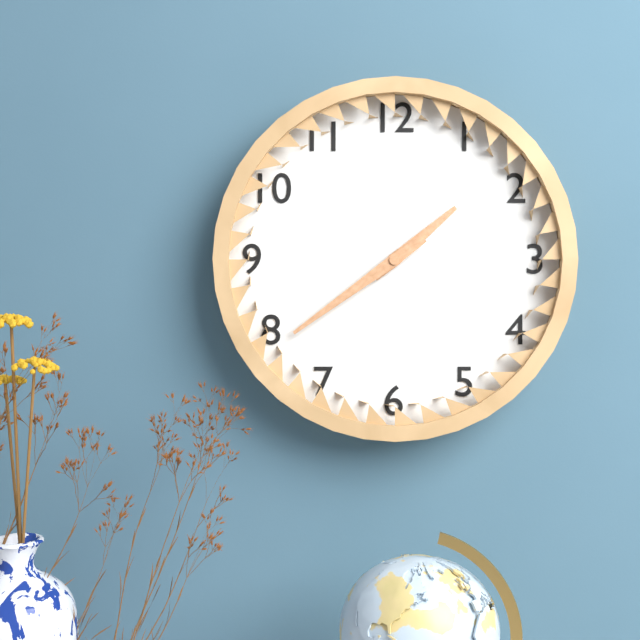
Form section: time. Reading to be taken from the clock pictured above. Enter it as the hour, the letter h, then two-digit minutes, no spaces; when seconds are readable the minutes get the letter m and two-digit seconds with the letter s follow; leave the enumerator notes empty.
1h39
